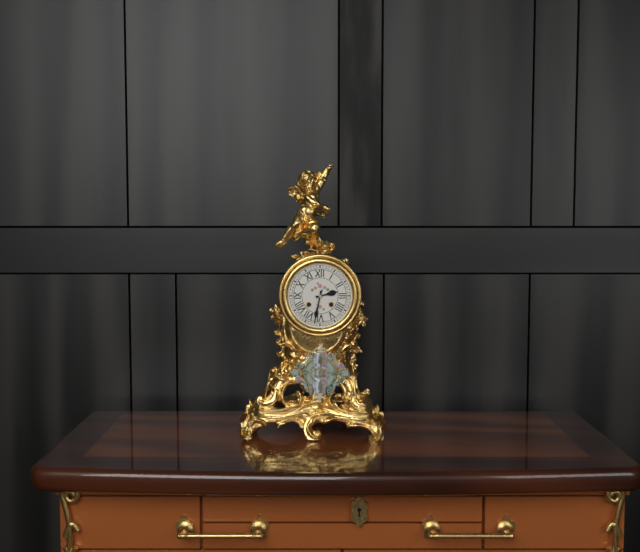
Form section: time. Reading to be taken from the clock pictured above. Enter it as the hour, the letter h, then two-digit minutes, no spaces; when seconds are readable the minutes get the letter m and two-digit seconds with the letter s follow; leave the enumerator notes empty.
2h32
